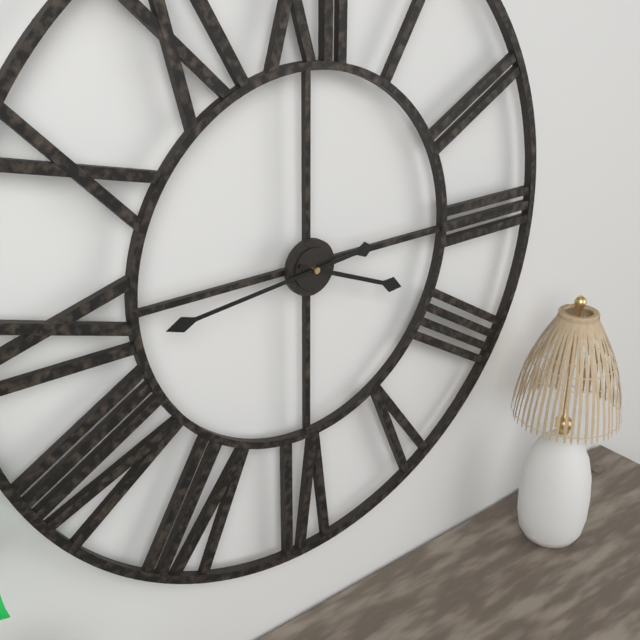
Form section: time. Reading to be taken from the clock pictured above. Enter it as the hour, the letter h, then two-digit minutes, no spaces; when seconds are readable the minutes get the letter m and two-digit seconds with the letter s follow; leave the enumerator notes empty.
3h44
